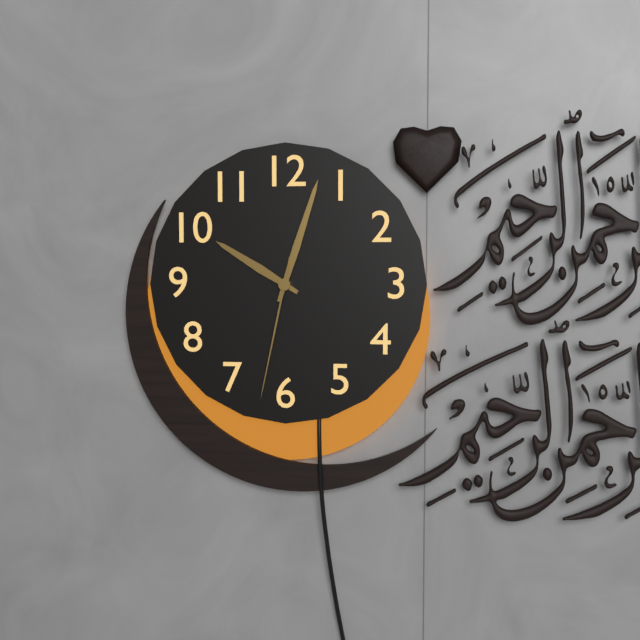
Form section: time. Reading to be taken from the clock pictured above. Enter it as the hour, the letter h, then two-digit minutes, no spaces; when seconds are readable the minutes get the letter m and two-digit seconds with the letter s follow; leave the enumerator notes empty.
10h03m32s
